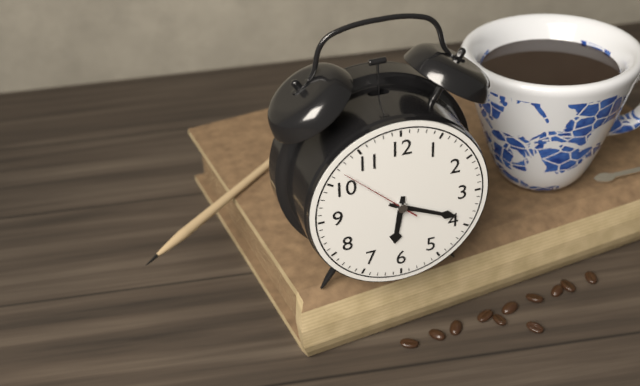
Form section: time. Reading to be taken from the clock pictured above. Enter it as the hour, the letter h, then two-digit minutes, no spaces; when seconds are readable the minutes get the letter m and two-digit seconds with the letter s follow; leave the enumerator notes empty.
6h19m52s
